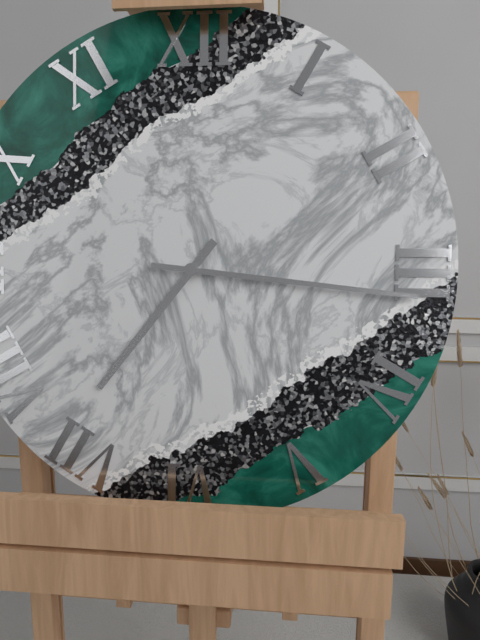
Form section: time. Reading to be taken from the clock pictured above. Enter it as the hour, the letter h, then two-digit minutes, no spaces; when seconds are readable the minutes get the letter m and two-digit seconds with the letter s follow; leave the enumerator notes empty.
7h16
